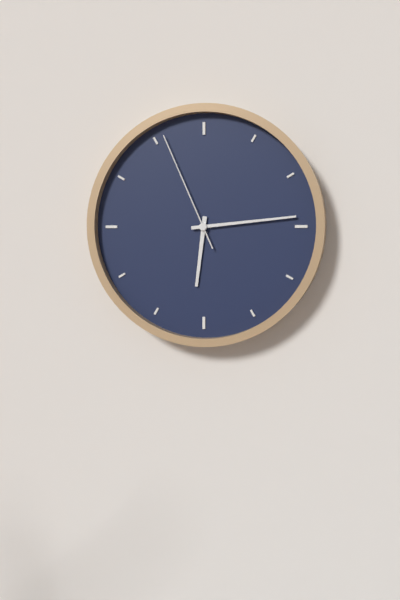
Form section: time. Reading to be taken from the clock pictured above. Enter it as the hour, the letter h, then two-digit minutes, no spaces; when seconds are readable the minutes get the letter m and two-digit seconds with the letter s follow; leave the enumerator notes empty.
6h14m56s
